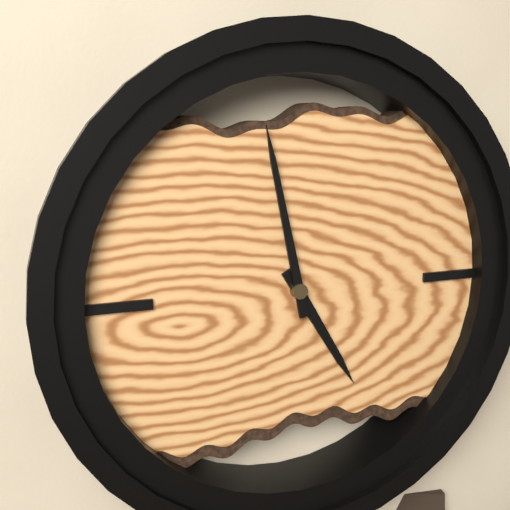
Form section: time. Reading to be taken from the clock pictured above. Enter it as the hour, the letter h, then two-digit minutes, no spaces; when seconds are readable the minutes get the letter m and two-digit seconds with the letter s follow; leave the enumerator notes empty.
4h58
